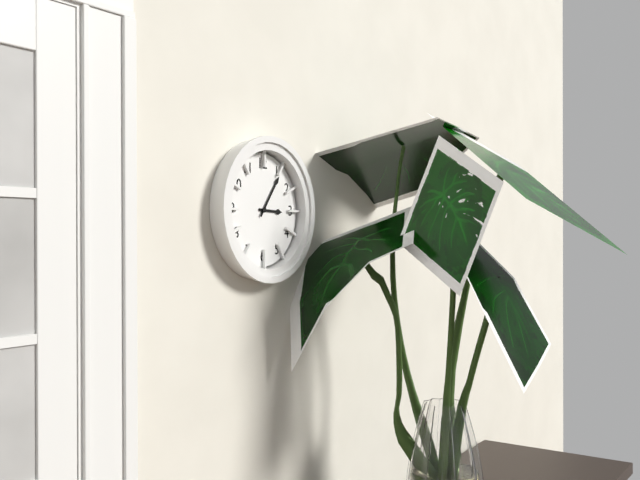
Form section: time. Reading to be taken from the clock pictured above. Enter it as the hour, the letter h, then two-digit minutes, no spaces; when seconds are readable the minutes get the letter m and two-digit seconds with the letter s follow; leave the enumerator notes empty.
3h06
